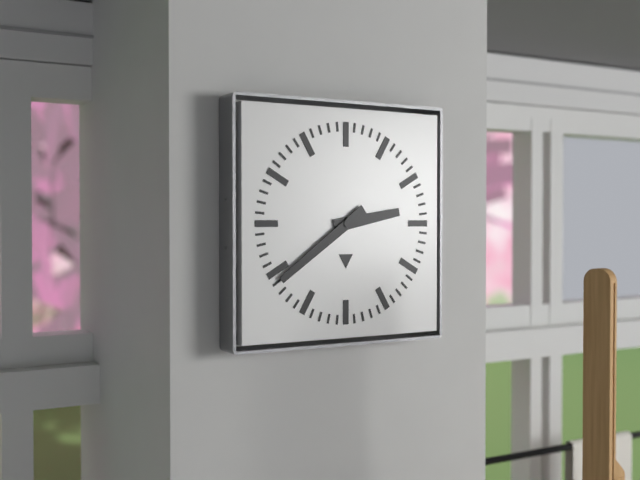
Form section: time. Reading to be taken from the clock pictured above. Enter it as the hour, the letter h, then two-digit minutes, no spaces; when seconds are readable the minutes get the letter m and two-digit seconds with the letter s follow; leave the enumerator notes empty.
2h39
